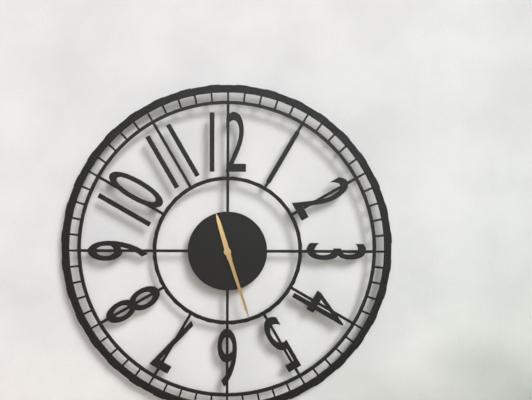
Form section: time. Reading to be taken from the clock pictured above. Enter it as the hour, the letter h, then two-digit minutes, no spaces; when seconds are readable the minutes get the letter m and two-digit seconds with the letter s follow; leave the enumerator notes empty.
11h27
